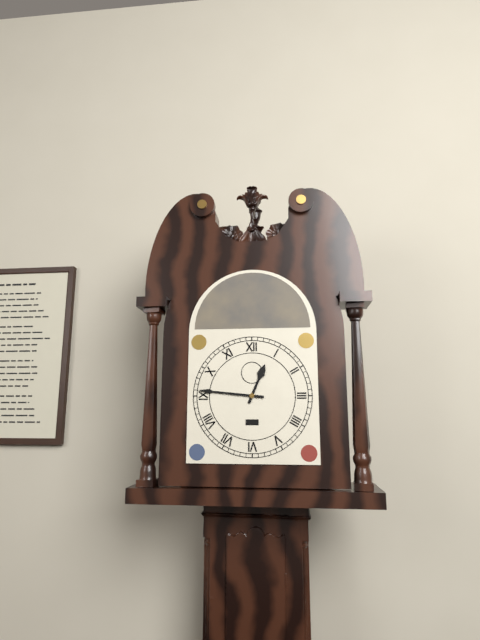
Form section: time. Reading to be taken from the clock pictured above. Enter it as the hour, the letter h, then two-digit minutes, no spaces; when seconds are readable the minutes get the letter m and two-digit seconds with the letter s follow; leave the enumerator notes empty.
12h46
